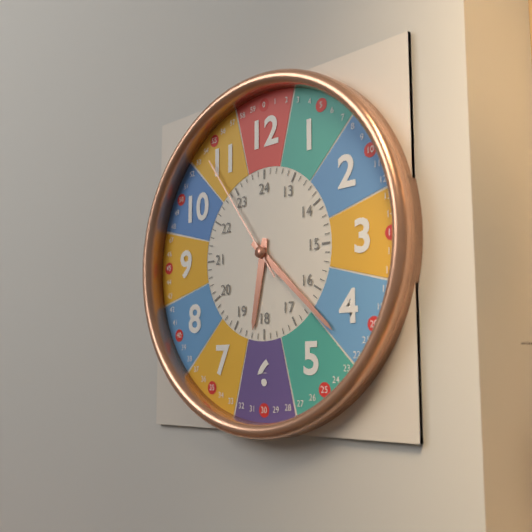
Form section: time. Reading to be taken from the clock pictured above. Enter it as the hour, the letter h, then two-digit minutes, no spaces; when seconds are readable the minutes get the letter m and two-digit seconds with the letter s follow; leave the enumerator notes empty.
6h22m54s
